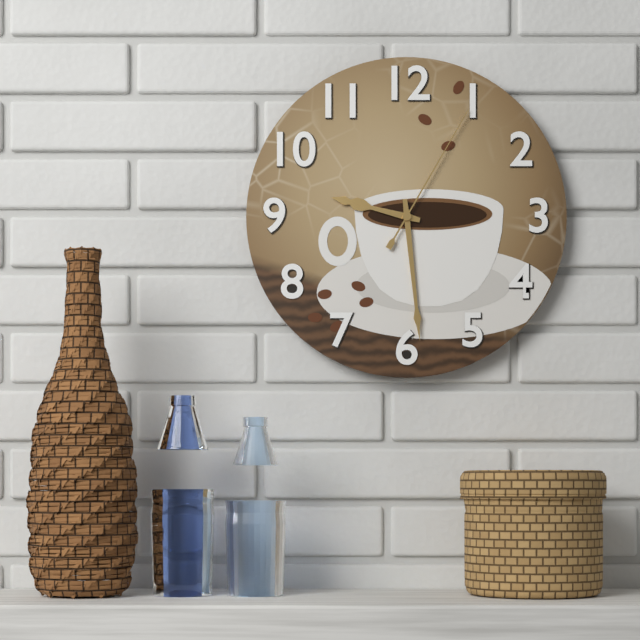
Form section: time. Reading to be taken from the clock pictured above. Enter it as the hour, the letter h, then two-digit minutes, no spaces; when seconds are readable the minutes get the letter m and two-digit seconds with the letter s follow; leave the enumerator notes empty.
9h29m05s
